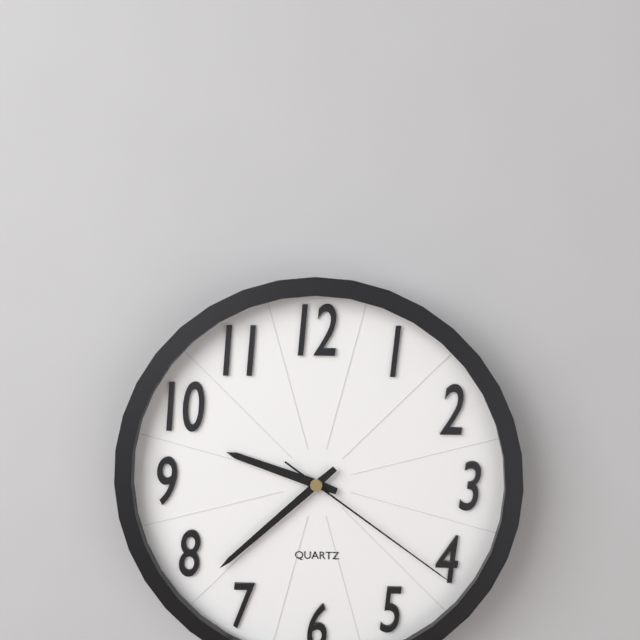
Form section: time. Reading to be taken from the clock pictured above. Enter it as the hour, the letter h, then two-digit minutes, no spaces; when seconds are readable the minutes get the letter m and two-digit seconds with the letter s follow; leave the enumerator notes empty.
9h38m21s
